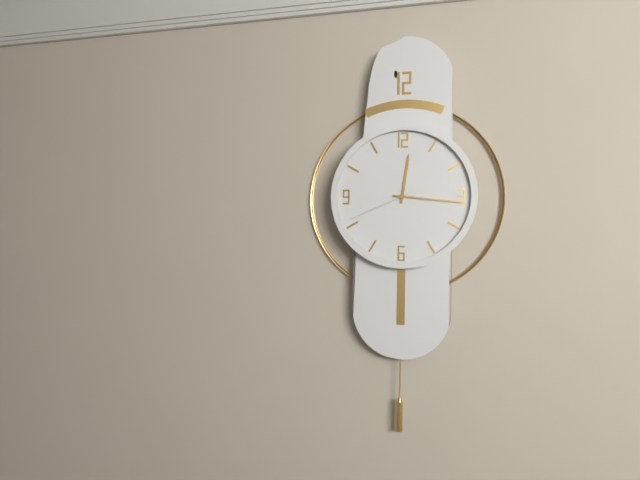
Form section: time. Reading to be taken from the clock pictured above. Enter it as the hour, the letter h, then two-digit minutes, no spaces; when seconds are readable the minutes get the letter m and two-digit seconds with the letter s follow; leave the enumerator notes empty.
12h16m41s
